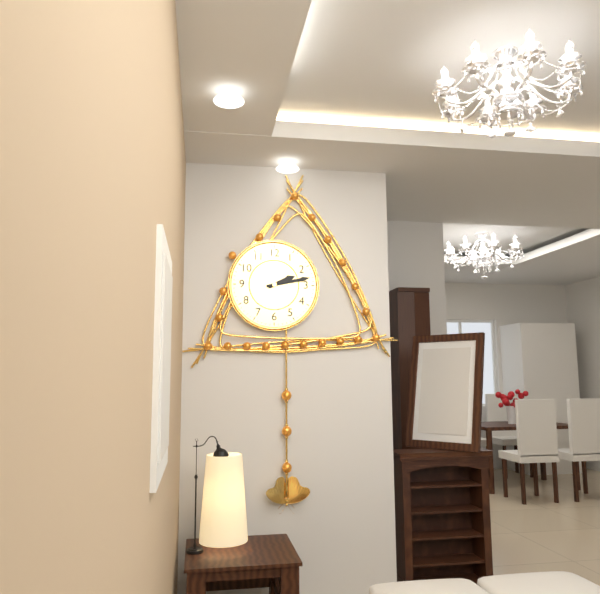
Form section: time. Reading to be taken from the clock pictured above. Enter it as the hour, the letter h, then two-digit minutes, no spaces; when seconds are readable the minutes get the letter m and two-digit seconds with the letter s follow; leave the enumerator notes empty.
2h13
